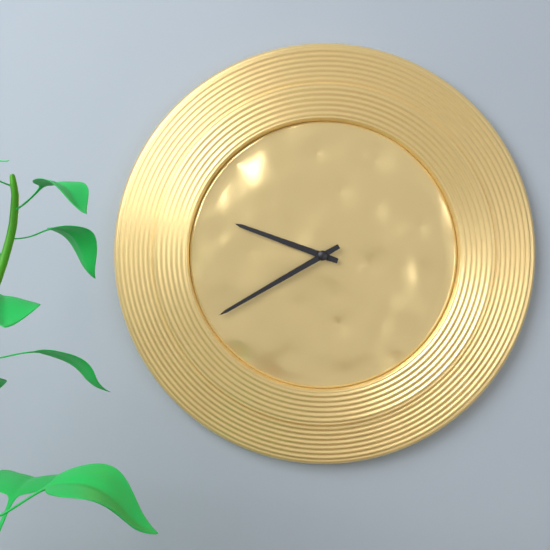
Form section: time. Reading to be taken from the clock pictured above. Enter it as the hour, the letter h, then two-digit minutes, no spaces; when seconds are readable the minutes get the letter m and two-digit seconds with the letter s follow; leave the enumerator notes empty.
9h40
